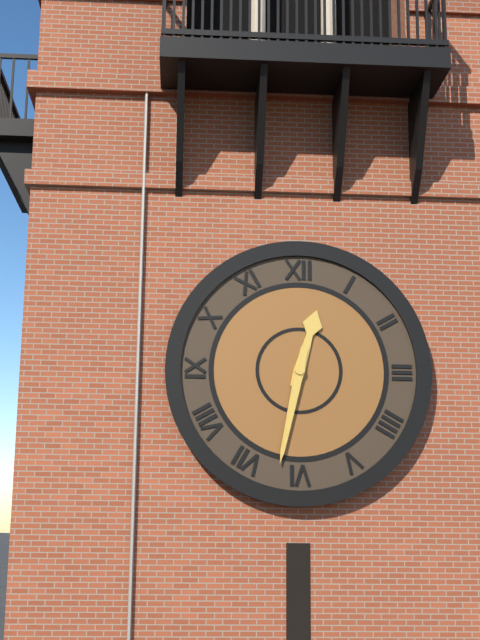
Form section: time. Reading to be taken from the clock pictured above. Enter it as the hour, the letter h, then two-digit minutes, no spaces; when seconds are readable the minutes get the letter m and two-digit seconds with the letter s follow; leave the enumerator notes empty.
12h32
